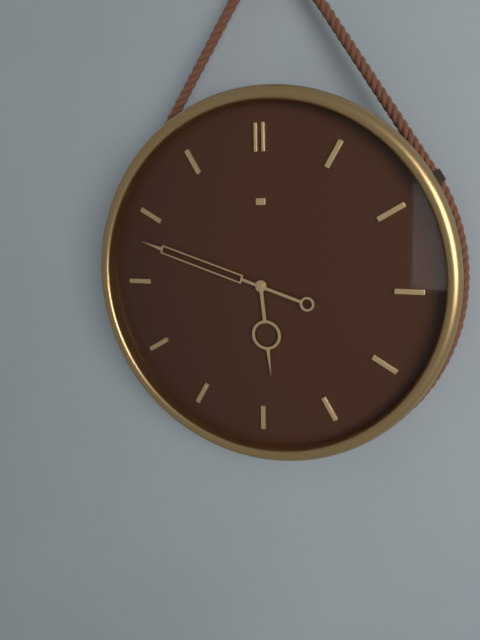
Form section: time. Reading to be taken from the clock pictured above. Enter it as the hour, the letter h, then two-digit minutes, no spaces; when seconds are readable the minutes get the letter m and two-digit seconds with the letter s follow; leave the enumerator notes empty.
5h48
